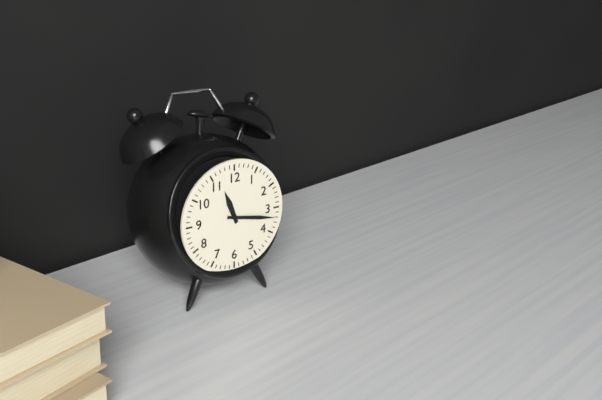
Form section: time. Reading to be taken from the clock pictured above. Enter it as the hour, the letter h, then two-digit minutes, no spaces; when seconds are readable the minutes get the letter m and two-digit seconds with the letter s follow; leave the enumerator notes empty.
11h17
